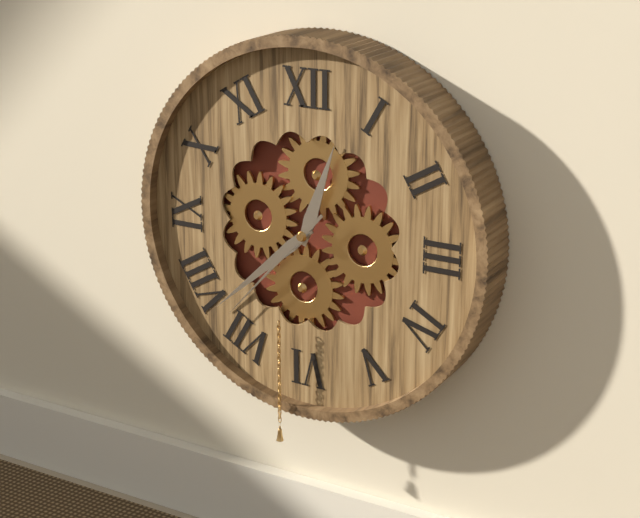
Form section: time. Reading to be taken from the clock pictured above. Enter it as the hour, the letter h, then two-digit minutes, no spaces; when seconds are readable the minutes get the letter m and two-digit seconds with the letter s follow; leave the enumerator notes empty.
12h38m37s
